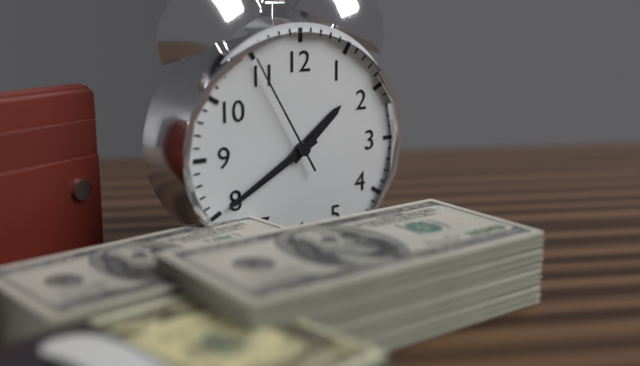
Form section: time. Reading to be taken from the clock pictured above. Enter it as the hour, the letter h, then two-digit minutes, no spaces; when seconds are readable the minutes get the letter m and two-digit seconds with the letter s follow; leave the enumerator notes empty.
1h40m55s
